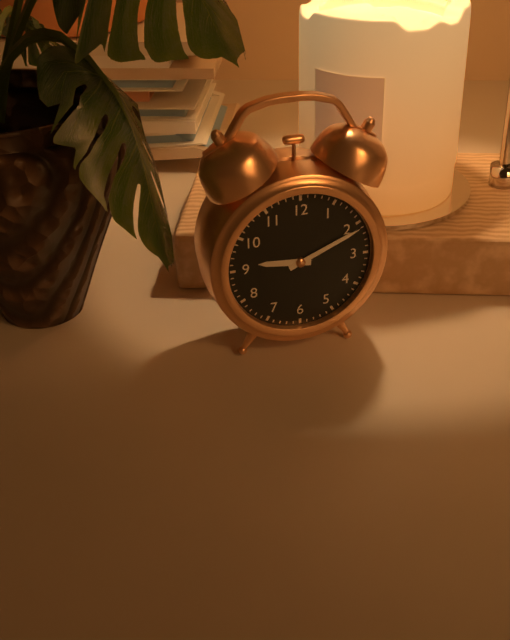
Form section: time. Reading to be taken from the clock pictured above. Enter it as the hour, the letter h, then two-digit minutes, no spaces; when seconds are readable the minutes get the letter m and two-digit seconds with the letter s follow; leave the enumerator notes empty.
9h11
